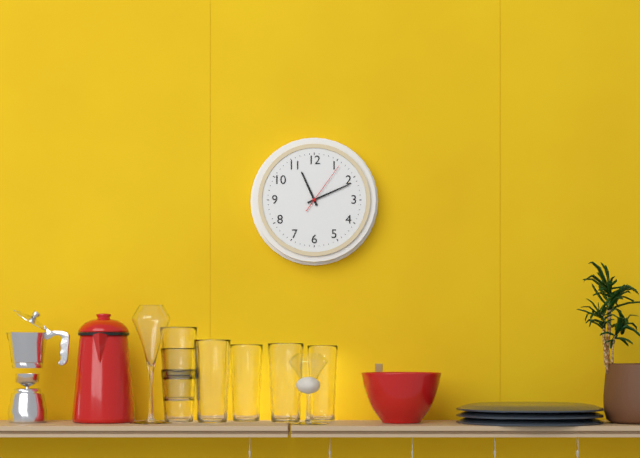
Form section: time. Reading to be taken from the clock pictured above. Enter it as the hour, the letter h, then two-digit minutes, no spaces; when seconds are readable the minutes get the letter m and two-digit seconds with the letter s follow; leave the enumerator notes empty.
11h11m06s
